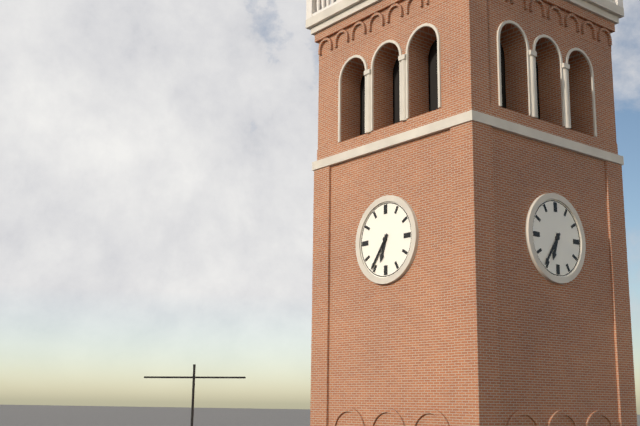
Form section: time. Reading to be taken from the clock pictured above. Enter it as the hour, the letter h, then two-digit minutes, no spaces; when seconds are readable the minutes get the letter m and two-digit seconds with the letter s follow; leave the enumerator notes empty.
6h36
